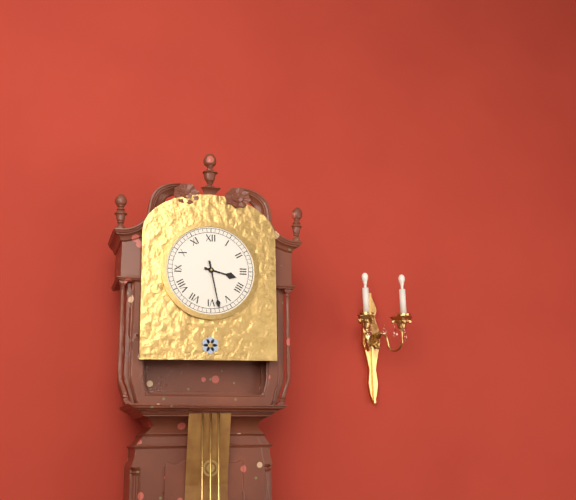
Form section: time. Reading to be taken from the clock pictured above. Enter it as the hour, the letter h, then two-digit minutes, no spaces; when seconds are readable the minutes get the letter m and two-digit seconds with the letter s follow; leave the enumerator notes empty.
3h28
